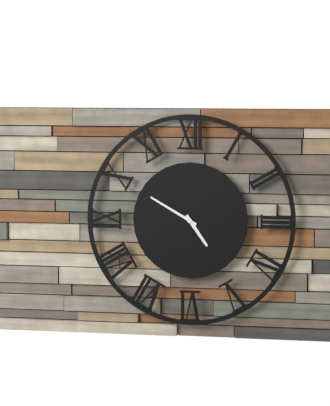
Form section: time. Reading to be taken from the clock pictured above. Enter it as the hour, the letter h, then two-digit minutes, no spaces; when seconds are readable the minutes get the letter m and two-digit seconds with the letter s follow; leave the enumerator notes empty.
4h50
